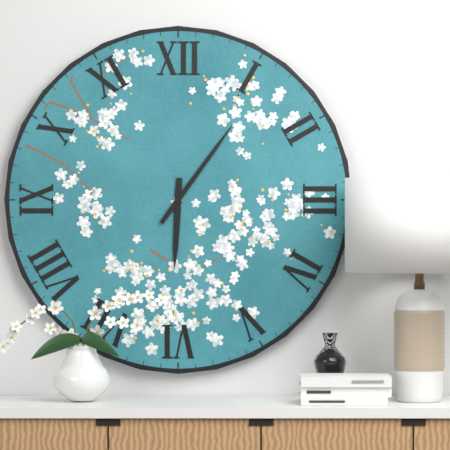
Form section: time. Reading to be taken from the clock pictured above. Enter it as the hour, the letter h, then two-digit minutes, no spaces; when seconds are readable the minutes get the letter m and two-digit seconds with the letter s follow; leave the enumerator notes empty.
6h06
